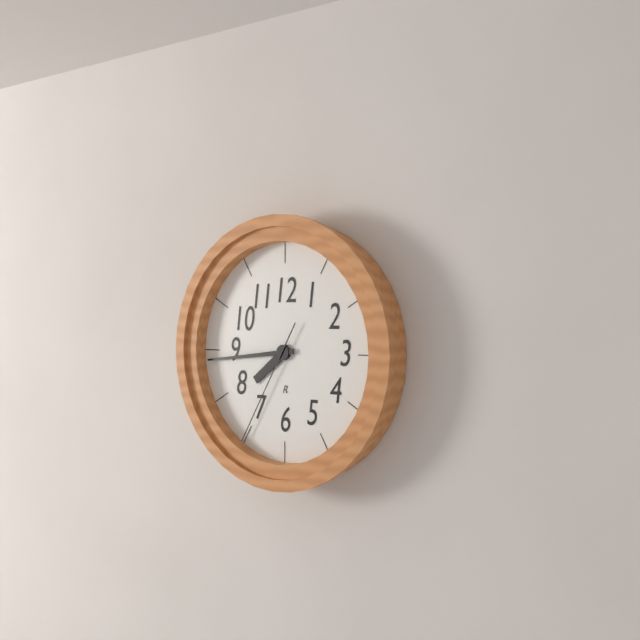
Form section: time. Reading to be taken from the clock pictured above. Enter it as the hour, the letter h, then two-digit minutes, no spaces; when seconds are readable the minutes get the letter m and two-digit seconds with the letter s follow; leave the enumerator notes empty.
7h44m35s
